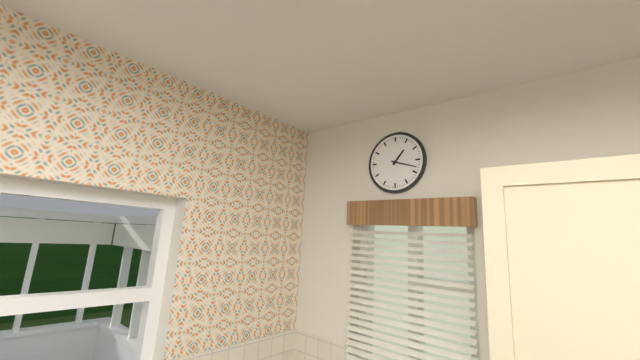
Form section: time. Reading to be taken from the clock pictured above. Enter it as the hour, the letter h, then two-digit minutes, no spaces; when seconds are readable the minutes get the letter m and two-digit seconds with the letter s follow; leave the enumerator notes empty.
1h18
